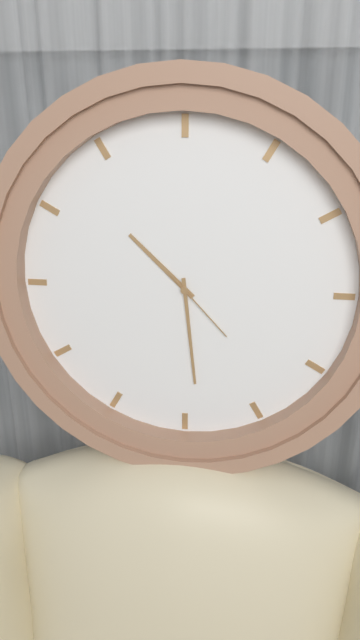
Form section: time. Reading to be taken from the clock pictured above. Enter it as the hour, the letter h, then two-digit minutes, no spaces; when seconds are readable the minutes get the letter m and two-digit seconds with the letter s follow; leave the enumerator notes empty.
10h29m23s
